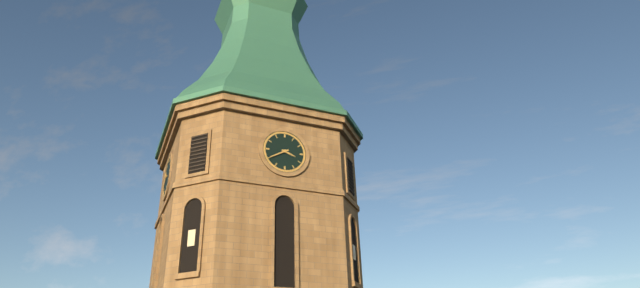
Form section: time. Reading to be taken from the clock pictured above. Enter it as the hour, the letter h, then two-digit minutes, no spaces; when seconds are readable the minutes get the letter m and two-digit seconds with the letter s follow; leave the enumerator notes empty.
3h40
